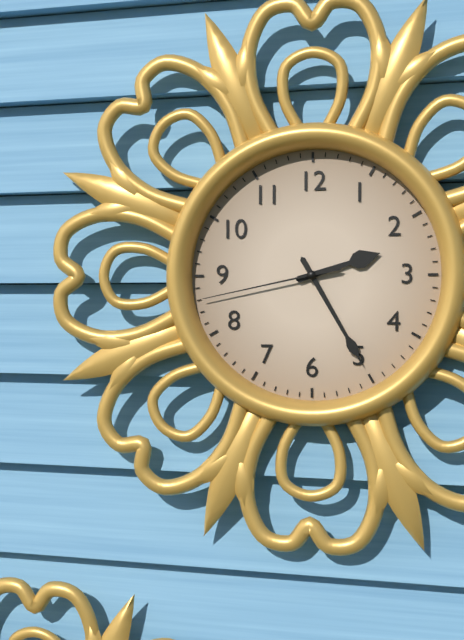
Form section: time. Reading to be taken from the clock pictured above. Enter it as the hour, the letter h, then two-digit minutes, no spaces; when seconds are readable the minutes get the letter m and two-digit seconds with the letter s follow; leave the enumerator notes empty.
2h25m43s
